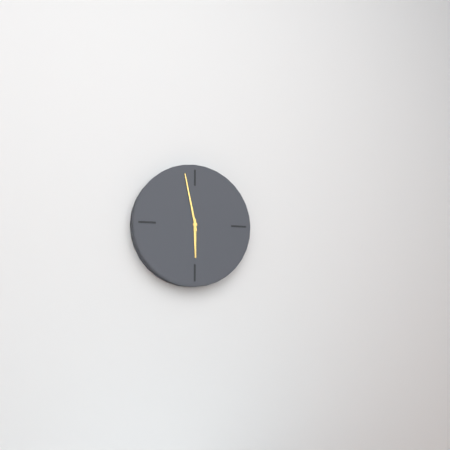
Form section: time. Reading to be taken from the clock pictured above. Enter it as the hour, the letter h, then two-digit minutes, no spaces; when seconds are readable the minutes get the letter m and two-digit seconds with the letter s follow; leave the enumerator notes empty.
5h58
